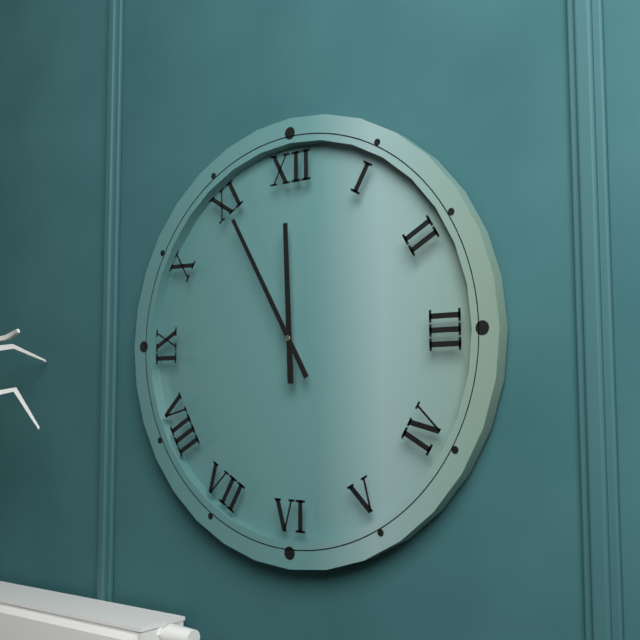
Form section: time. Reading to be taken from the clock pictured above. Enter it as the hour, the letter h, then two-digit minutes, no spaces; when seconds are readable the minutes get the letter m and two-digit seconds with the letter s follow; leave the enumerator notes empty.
11h55
